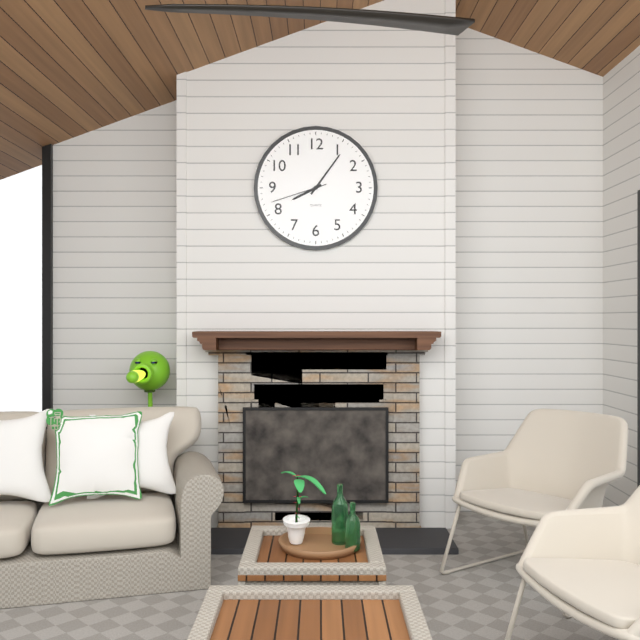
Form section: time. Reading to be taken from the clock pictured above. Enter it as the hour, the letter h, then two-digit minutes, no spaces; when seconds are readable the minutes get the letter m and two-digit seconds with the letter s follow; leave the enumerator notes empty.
8h06m42s
